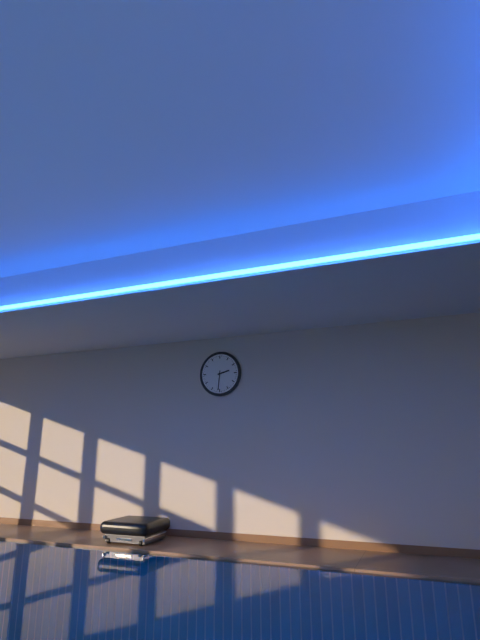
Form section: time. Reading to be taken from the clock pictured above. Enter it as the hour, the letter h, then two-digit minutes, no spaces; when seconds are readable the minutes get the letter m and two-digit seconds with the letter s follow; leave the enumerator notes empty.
2h31
